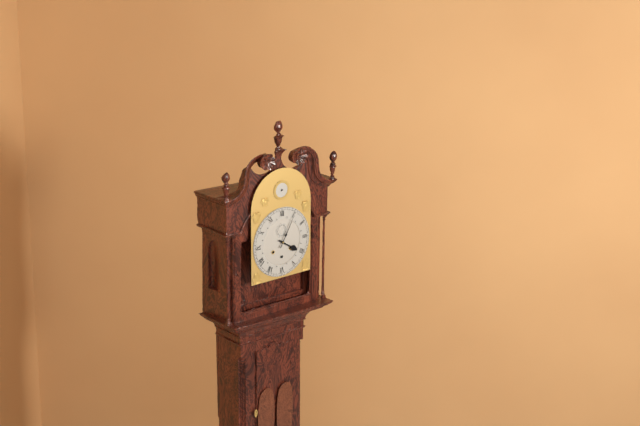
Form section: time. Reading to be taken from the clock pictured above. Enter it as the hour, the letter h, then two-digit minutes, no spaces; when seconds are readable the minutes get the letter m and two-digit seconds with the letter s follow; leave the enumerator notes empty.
4h05
